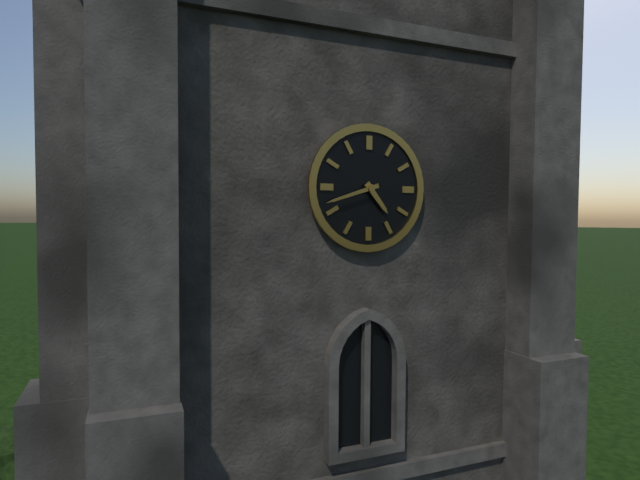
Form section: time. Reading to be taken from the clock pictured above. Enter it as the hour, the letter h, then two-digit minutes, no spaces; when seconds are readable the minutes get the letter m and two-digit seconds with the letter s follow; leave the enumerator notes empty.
4h42
